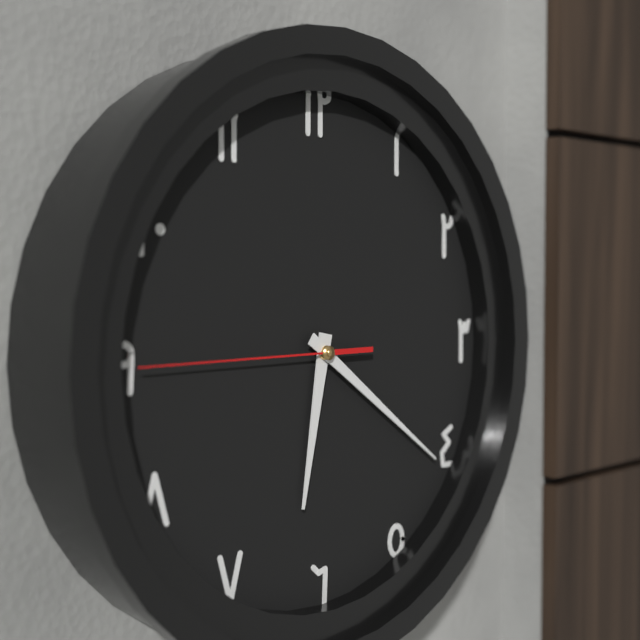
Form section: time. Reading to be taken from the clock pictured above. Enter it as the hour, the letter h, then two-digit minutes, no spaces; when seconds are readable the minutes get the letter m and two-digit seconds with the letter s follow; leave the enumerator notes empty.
6h21m45s
